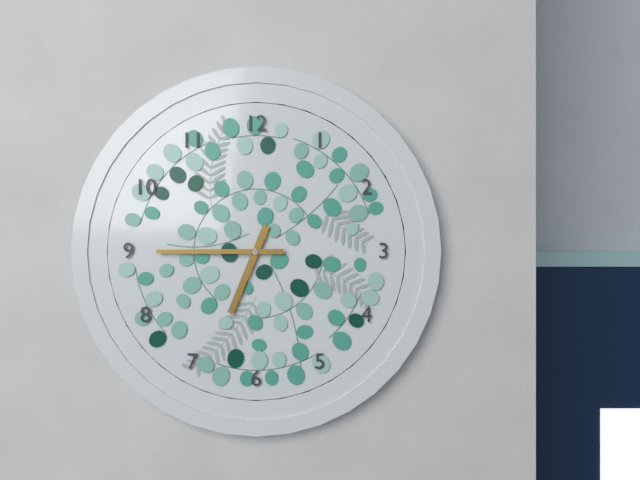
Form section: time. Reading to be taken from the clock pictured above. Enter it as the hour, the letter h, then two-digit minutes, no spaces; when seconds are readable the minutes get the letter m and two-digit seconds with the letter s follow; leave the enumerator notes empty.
6h45
